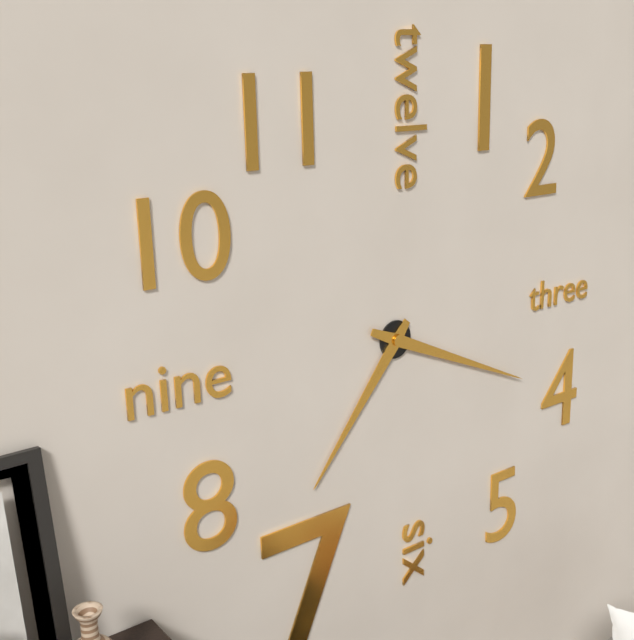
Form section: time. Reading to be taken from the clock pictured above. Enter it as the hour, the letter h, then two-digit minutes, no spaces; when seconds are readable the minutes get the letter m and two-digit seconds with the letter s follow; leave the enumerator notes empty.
7h19
